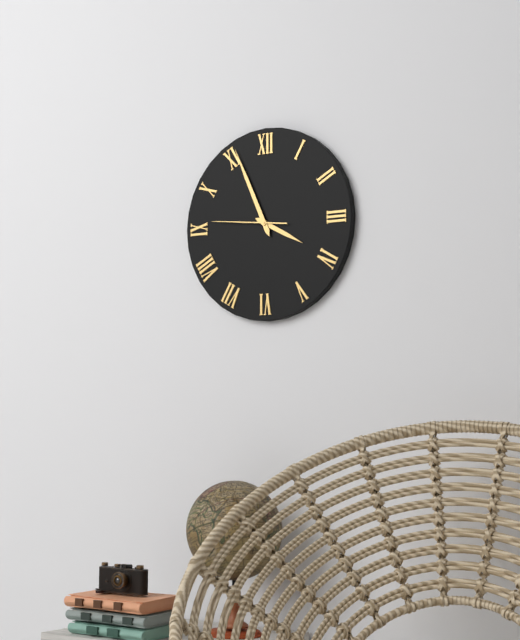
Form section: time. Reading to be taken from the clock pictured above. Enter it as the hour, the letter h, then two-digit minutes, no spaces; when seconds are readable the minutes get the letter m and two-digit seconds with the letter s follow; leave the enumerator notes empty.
3h56m46s
